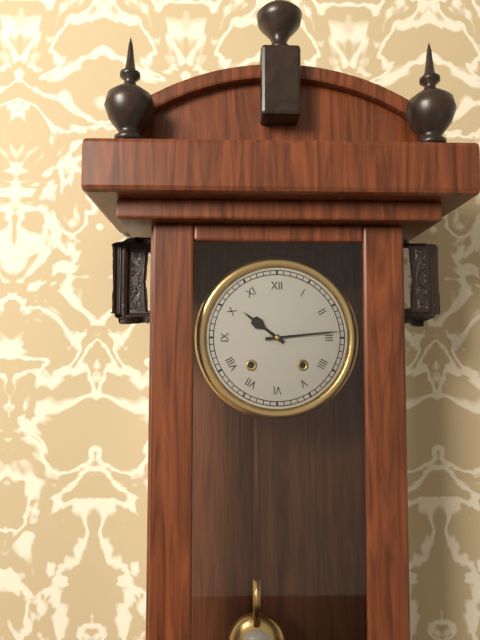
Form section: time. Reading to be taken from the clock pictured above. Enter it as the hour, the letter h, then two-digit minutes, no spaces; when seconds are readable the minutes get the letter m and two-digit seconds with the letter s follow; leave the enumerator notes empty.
10h14
